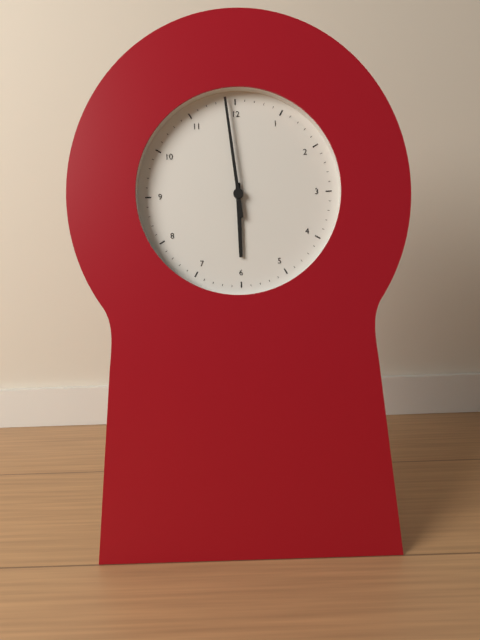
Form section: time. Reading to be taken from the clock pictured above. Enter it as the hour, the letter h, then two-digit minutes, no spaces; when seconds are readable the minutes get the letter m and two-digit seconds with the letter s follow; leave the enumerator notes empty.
5h59
